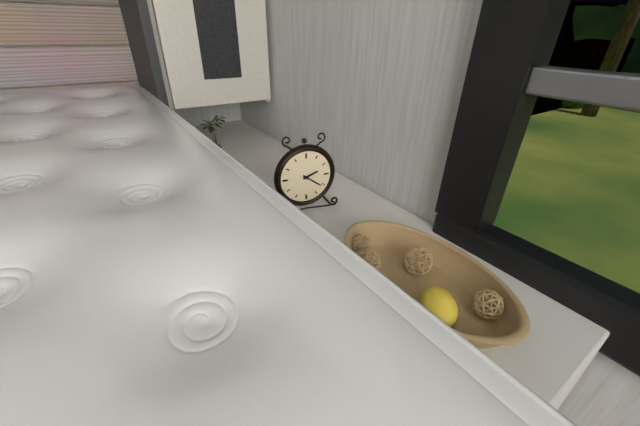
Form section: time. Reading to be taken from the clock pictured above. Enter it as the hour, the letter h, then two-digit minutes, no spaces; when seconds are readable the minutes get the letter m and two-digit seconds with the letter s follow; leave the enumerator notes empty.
2h21
